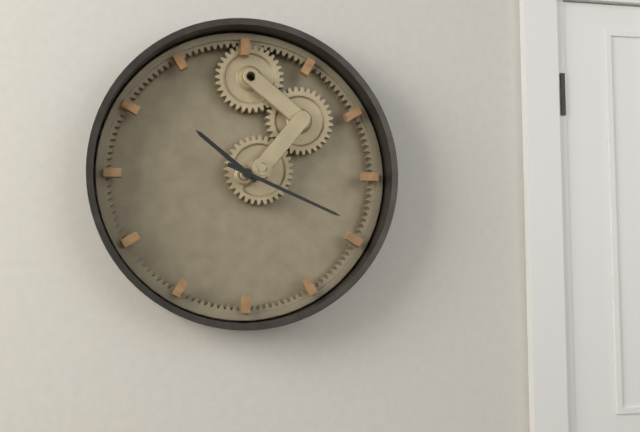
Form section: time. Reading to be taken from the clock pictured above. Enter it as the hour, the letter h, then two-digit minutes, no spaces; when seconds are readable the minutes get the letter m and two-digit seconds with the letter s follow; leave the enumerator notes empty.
10h19
